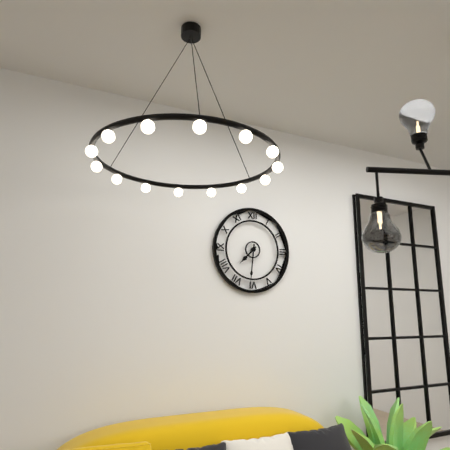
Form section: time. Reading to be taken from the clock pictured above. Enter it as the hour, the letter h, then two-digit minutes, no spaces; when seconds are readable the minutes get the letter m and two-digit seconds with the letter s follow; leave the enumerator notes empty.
7h31
